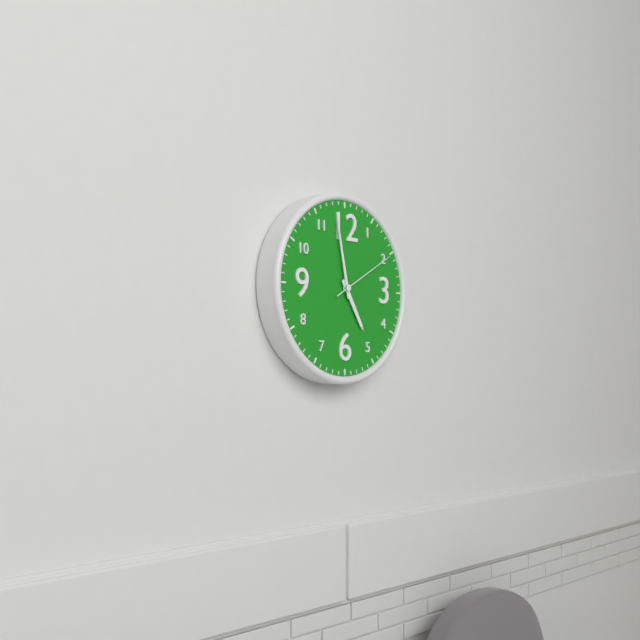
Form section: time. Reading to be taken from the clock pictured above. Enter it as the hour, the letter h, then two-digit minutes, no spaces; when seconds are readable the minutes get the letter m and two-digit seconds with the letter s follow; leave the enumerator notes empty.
4h58m10s
